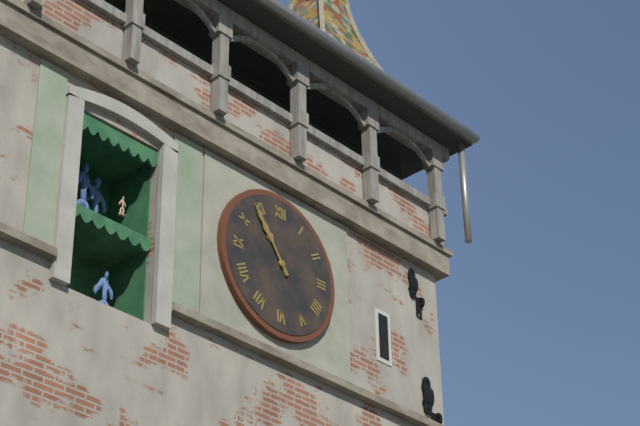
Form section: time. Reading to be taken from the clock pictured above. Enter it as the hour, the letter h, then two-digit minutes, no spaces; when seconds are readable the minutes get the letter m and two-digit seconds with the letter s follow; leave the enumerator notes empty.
10h54
